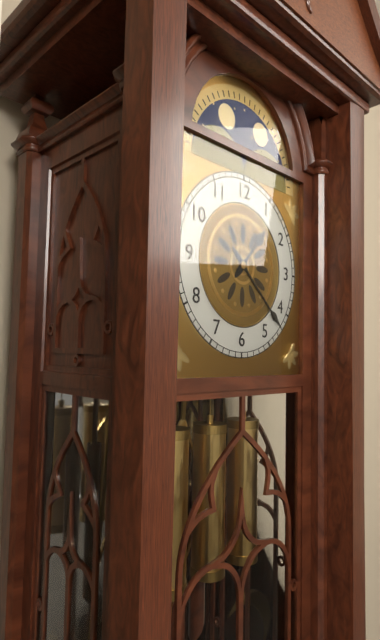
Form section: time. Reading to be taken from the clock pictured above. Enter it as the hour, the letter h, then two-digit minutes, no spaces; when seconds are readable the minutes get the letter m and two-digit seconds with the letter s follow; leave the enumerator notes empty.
1h22
